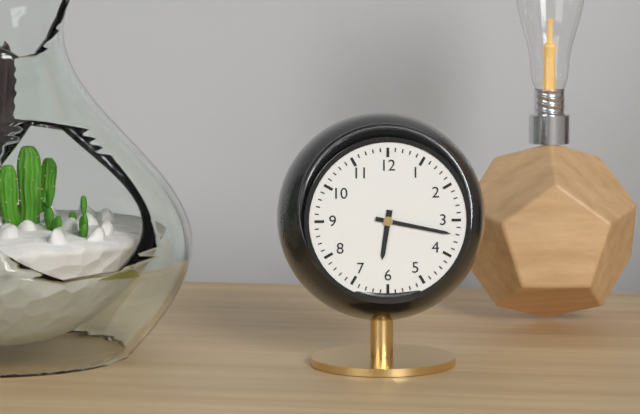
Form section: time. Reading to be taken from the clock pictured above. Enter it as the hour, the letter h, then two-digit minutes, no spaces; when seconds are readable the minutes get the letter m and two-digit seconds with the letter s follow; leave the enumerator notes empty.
6h17
